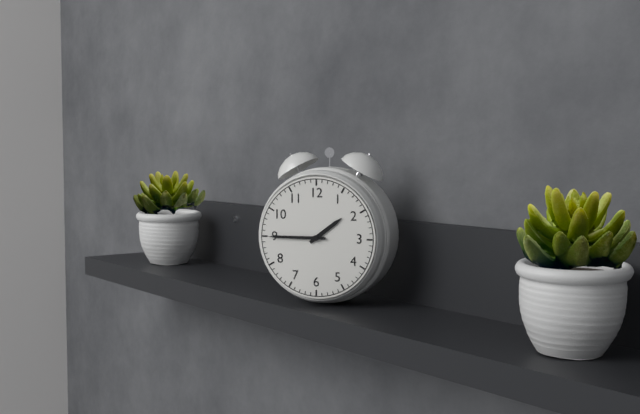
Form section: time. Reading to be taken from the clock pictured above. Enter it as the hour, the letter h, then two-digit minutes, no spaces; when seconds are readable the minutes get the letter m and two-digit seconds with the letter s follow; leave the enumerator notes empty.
1h45
